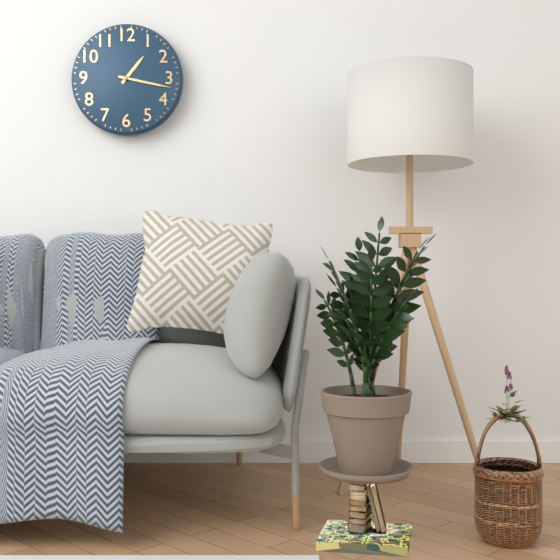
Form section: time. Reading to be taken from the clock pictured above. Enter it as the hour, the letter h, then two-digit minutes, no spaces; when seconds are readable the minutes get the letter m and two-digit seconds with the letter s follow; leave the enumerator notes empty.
1h17
